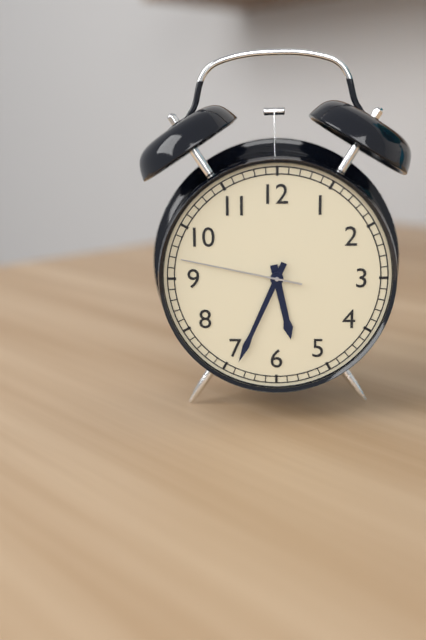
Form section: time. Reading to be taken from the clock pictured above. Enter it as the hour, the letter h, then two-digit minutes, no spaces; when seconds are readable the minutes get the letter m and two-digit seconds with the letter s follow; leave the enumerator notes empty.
5h34m47s
